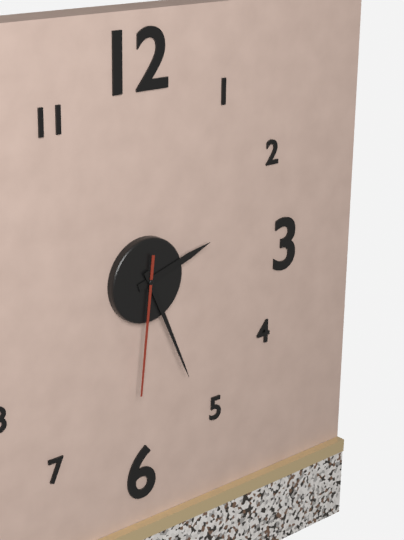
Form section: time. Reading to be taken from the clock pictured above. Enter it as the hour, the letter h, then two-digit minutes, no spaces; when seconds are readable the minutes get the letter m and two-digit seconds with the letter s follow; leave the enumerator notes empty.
2h26m31s
